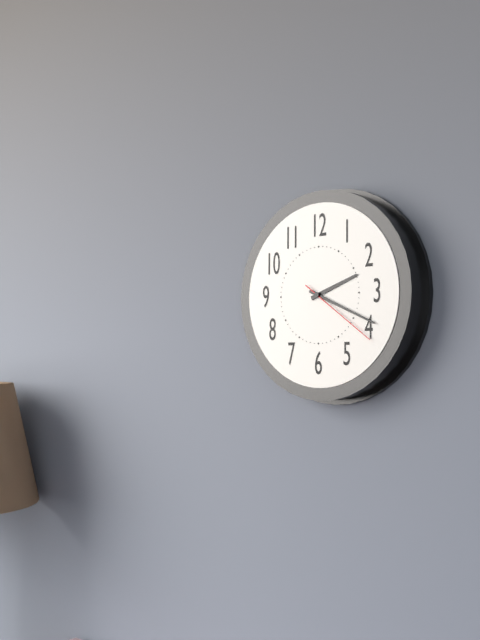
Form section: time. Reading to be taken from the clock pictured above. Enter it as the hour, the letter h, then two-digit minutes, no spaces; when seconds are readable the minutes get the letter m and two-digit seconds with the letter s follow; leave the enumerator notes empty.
2h19m21s
